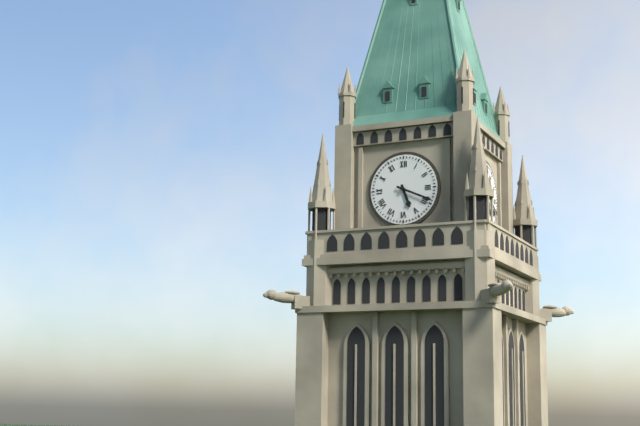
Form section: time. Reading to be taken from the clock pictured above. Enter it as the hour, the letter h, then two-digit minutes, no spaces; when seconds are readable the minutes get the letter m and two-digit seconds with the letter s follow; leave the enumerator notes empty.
5h19
